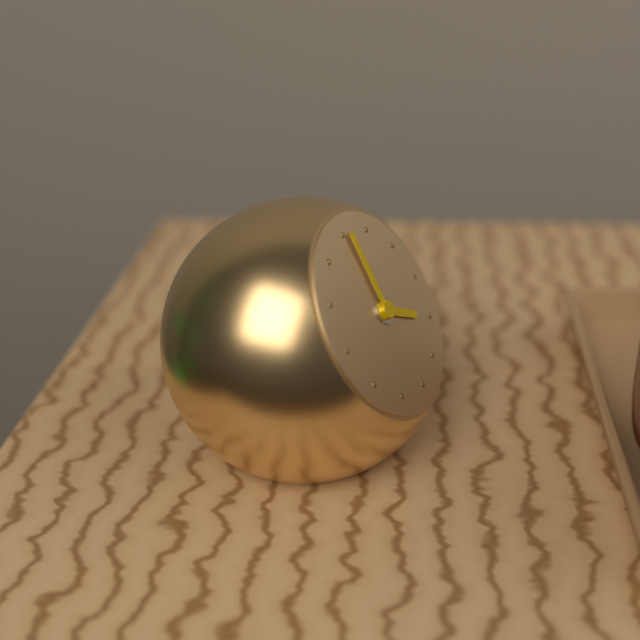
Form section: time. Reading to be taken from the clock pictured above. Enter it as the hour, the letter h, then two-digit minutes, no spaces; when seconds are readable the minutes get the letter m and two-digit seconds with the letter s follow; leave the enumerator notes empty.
4h01
